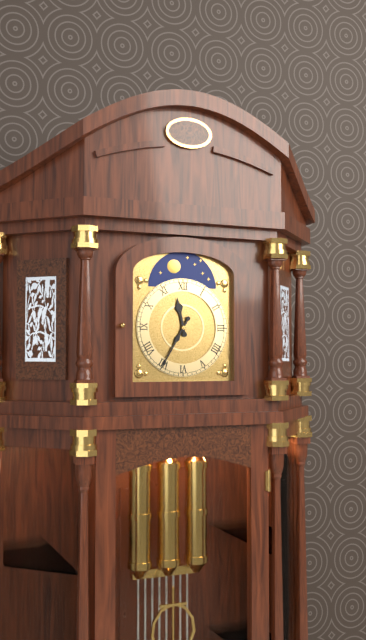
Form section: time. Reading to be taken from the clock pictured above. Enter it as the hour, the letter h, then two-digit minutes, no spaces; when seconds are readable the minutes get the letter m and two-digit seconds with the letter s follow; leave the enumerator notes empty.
11h35
